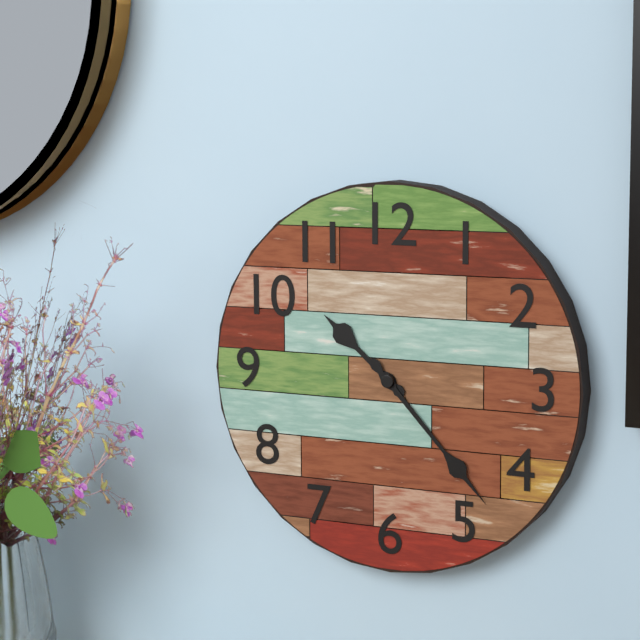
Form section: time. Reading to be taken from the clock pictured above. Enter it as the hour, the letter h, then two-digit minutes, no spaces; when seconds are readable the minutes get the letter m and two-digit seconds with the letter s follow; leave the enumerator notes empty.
10h23
